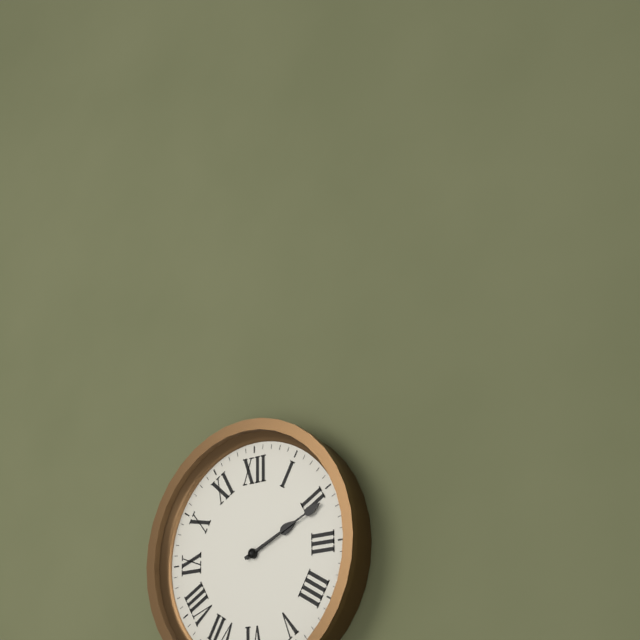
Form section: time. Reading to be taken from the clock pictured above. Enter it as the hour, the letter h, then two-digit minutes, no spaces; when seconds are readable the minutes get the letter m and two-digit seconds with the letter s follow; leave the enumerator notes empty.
2h11
